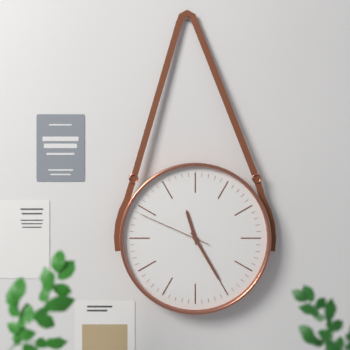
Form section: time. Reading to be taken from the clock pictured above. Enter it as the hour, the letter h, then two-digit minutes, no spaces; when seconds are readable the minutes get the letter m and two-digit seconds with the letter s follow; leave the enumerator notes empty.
11h25m49s
